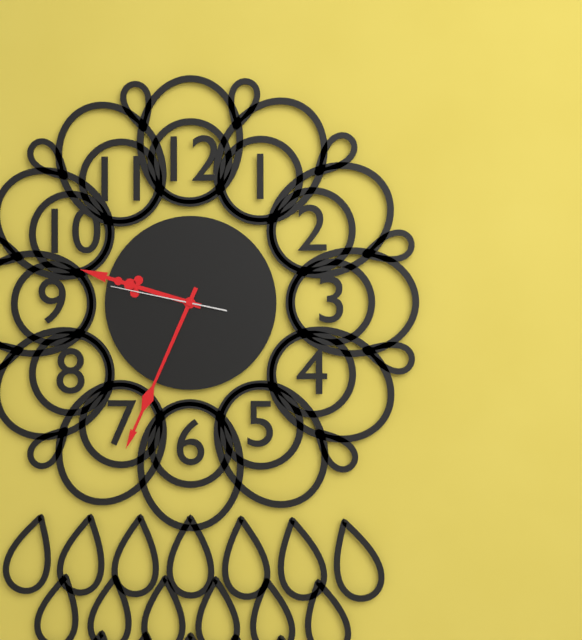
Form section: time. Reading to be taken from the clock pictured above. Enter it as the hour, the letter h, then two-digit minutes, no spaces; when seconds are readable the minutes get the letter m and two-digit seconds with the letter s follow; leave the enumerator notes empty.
9h34m47s
